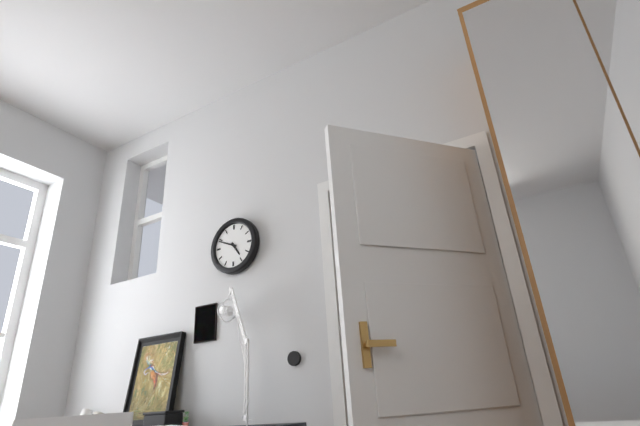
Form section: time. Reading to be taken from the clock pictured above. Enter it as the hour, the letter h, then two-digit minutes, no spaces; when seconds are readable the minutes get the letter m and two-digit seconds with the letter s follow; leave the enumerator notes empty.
4h49
